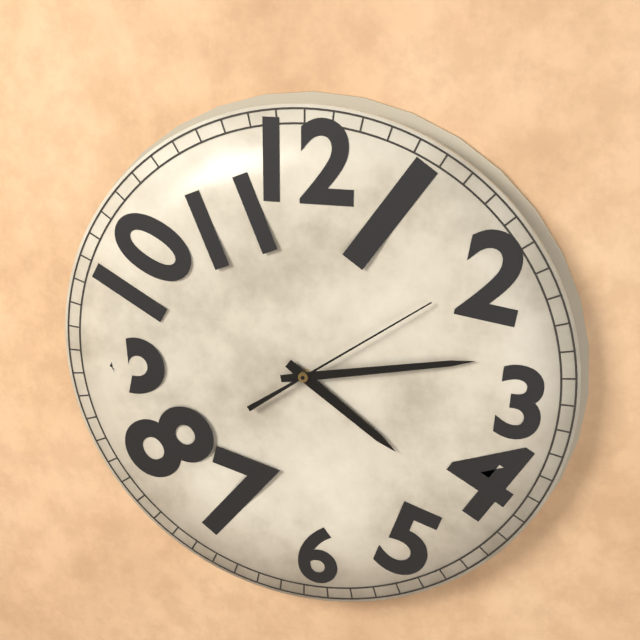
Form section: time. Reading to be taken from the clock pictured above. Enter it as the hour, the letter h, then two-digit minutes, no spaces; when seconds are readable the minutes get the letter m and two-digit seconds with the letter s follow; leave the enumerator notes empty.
4h13m09s
